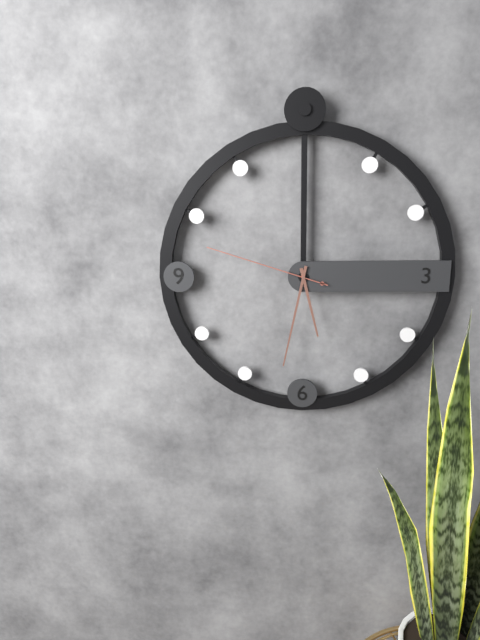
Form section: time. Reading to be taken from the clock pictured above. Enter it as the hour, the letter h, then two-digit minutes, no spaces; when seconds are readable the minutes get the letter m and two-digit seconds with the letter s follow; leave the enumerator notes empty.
5h32m48s
